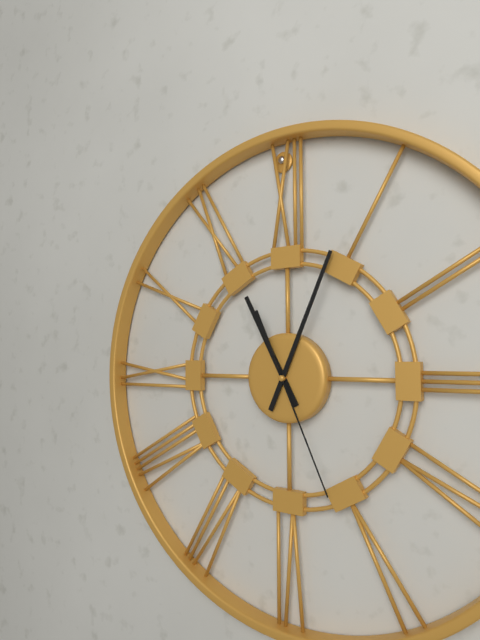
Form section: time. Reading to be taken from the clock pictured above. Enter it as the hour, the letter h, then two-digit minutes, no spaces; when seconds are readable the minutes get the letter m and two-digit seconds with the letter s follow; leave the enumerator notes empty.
11h04m26s
